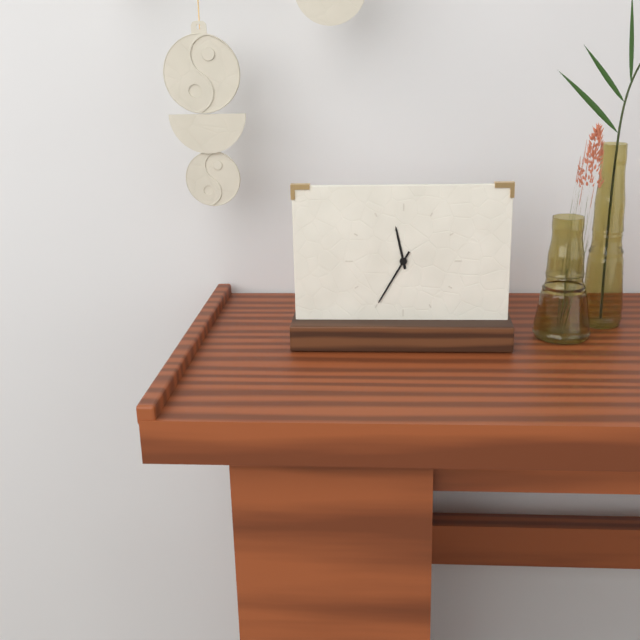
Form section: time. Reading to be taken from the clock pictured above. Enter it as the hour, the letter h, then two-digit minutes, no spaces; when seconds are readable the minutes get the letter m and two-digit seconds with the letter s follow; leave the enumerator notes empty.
11h35
